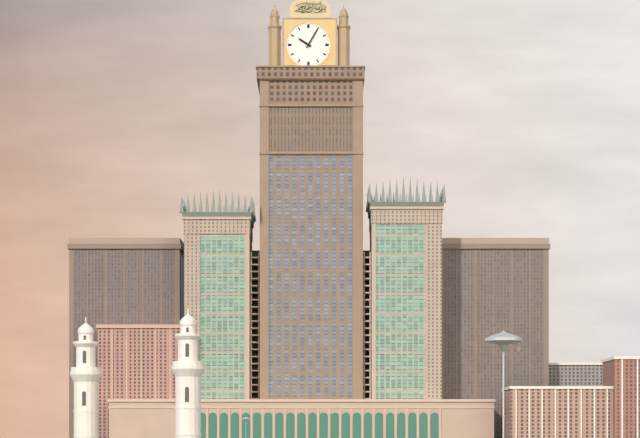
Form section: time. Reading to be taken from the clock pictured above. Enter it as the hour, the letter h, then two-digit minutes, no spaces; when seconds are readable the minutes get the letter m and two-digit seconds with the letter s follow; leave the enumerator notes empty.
10h05
